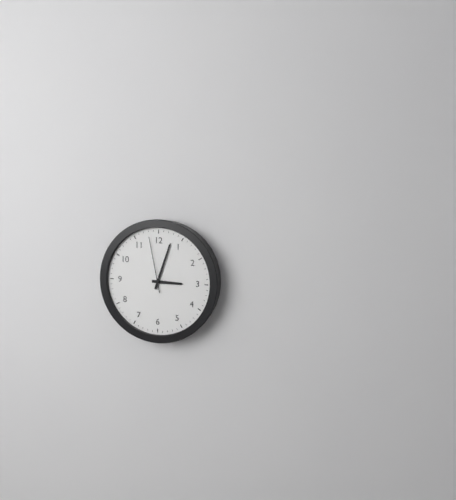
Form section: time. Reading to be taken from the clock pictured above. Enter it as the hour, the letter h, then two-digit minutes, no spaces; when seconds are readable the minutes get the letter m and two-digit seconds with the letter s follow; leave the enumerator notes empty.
3h03m58s
